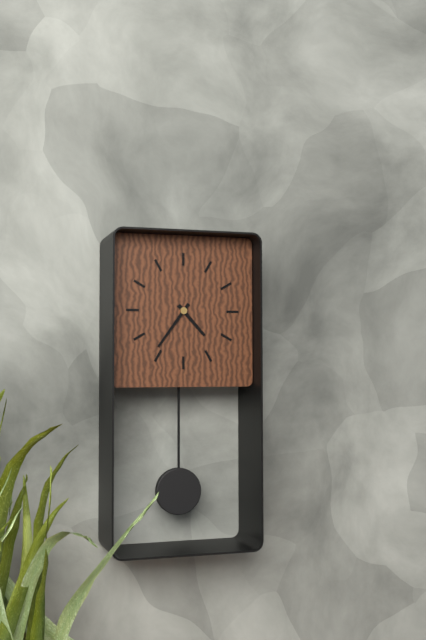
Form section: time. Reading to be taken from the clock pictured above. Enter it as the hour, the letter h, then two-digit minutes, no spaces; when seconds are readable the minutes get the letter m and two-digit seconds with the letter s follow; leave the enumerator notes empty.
4h36
